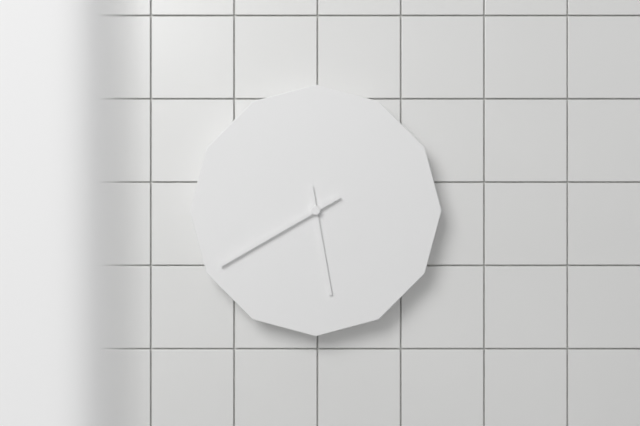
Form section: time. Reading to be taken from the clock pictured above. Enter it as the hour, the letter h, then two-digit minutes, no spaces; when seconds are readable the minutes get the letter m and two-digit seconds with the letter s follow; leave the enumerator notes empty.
5h40
